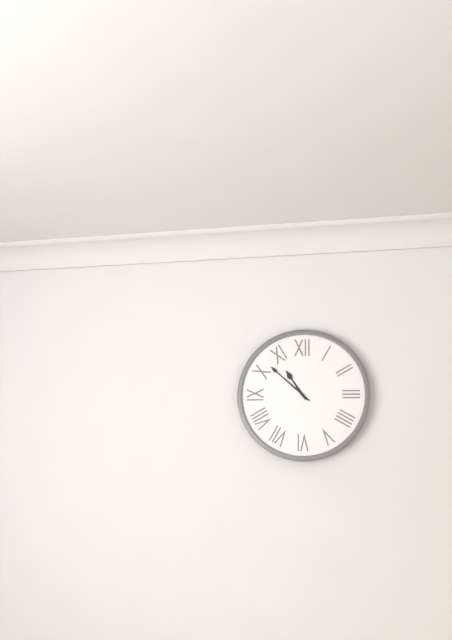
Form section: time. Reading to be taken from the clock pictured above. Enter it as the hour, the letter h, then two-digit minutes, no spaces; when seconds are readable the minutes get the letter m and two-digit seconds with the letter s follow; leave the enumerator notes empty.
10h52
